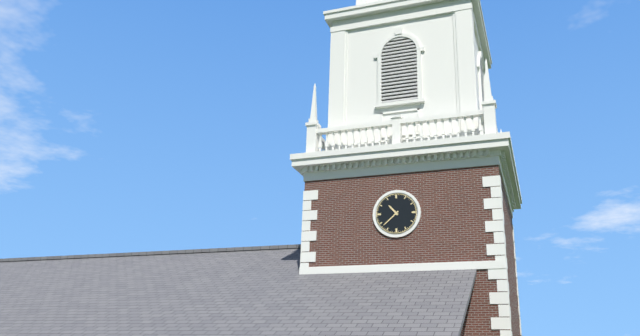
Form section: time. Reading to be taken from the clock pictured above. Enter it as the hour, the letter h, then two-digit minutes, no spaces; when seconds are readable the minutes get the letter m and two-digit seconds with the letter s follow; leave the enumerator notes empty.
10h38
